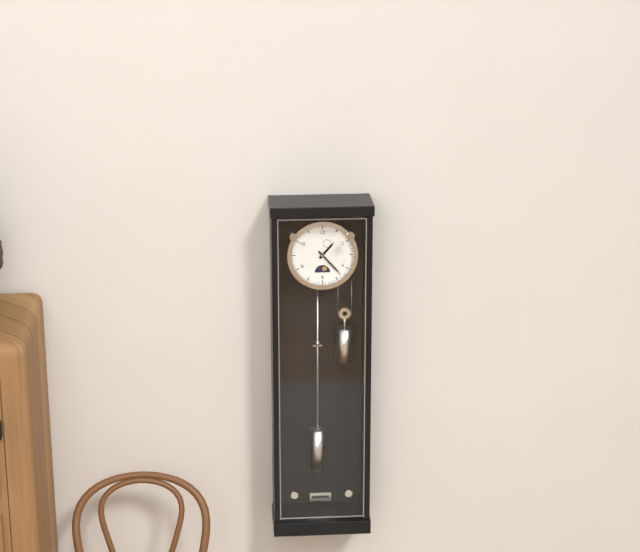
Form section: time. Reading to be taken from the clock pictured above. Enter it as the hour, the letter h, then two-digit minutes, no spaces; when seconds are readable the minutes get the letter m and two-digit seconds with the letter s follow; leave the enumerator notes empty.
1h23
